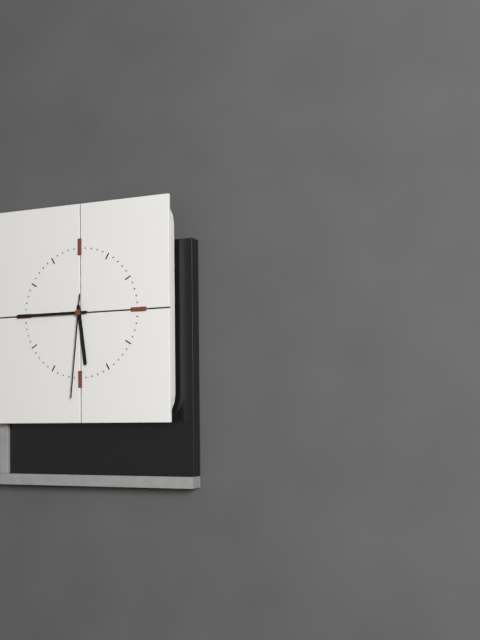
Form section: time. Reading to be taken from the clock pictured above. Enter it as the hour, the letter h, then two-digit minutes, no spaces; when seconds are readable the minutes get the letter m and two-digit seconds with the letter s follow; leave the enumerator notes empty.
5h45m31s
